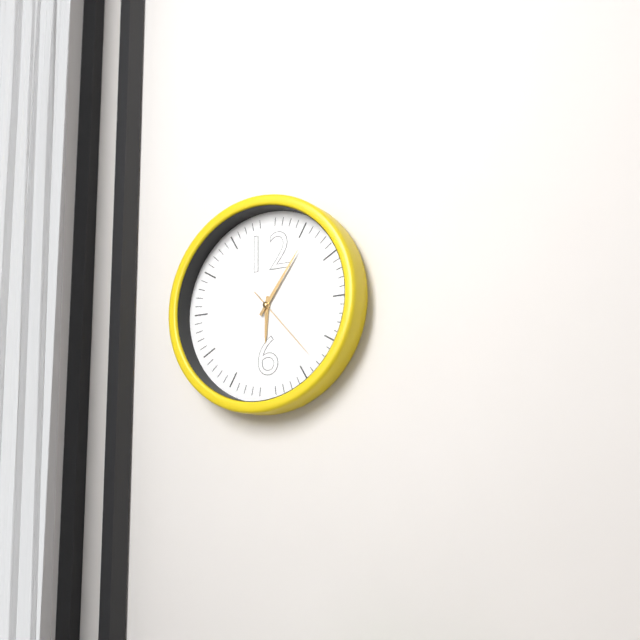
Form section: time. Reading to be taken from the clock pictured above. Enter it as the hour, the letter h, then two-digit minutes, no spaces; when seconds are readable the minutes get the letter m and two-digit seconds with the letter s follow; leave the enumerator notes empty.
6h06m23s
